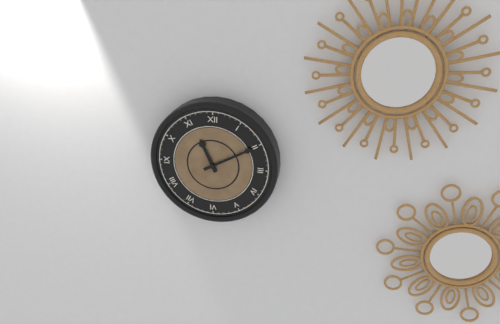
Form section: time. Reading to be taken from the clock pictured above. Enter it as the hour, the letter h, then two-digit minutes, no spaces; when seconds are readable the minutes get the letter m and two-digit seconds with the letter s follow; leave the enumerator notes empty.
11h10
